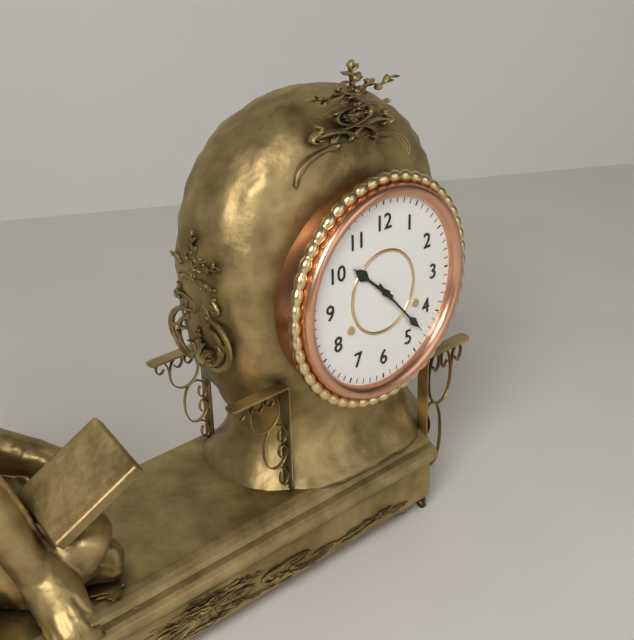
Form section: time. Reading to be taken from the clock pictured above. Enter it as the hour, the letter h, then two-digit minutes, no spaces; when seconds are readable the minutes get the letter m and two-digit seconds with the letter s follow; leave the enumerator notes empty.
10h23
